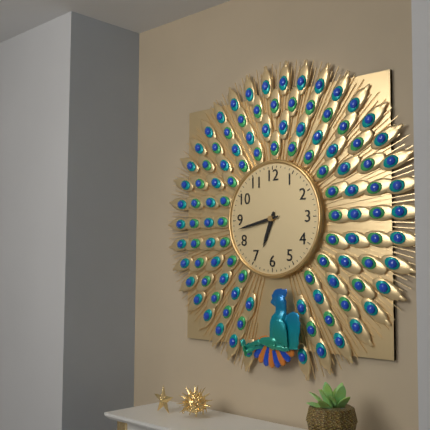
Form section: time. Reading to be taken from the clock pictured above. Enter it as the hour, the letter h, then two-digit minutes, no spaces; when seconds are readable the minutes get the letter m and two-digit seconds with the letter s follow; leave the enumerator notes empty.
6h43
